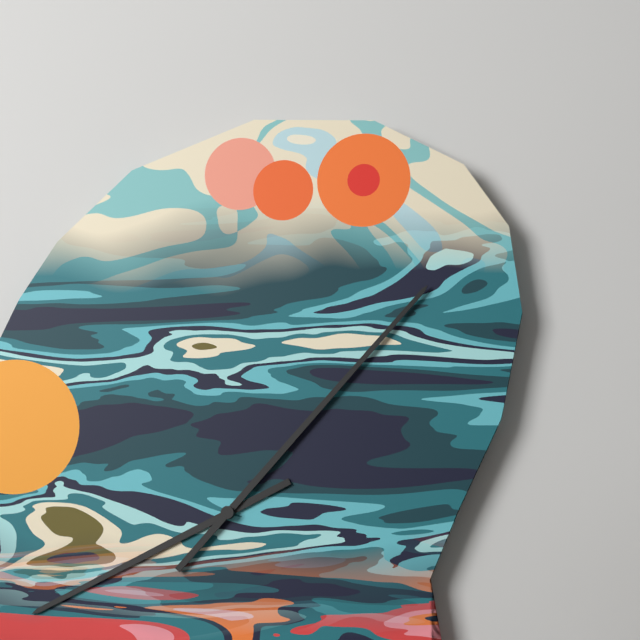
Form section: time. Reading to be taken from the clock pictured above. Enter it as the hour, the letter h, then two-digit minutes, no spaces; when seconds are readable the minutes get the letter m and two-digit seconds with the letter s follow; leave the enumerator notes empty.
8h07
